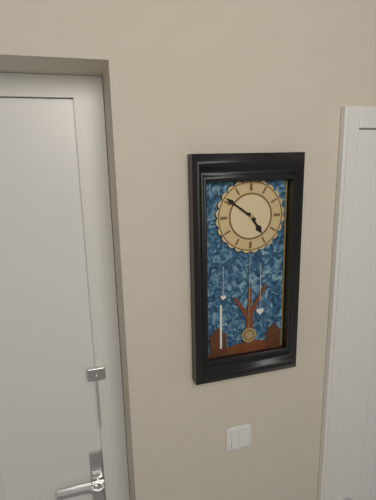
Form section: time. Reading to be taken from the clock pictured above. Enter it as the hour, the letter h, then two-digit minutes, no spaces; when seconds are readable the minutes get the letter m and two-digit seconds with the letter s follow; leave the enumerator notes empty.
4h51
